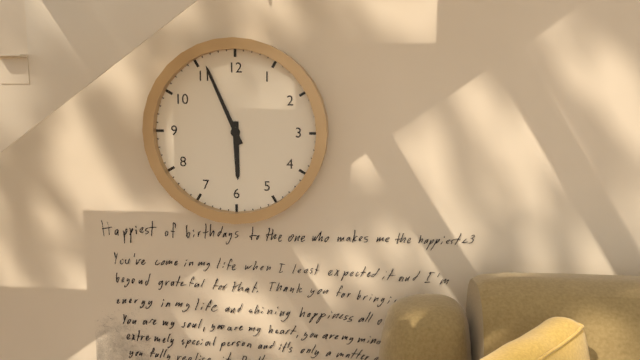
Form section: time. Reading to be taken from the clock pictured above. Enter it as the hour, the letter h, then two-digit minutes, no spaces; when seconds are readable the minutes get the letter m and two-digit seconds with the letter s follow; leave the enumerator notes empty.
5h56
